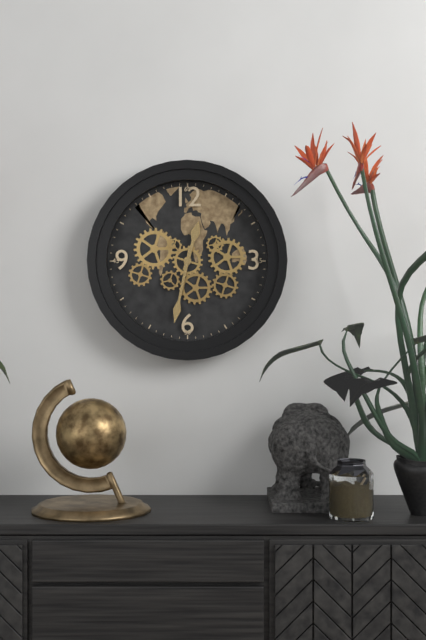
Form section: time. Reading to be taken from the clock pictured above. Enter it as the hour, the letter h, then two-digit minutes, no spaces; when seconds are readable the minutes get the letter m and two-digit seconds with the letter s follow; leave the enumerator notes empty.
12h32
